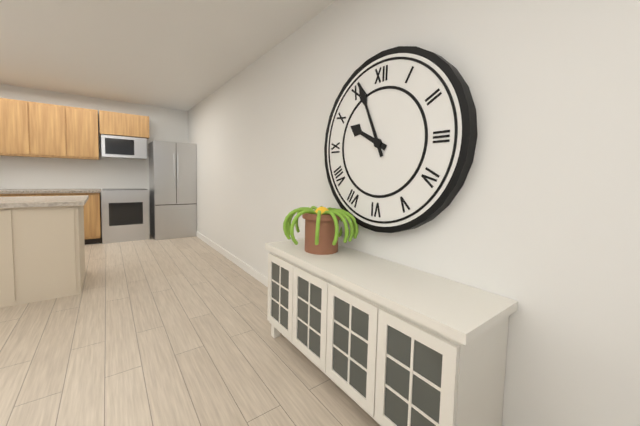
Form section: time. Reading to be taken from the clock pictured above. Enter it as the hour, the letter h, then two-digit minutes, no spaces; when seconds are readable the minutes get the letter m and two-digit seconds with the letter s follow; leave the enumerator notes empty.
9h56
